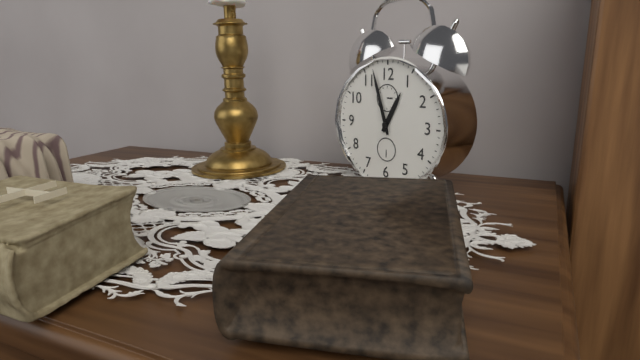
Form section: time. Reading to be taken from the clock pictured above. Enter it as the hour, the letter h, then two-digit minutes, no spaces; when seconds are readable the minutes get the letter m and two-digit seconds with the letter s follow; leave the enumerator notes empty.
12h57
